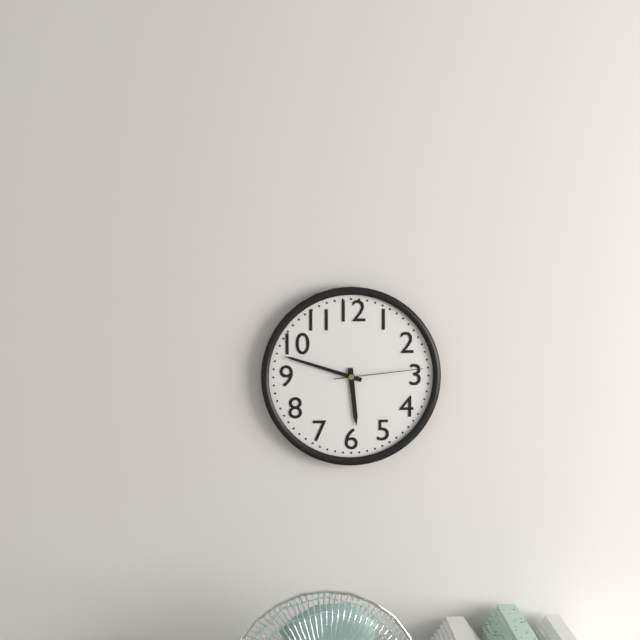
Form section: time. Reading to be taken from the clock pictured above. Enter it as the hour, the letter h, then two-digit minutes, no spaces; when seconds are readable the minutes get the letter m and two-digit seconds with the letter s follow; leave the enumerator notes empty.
5h48m14s
